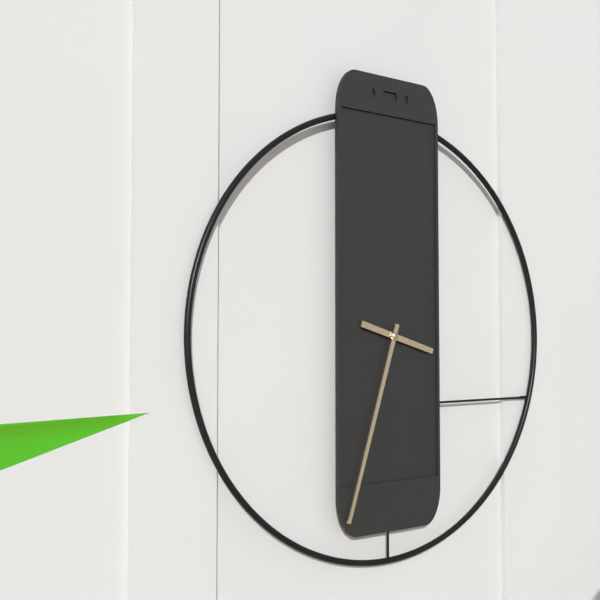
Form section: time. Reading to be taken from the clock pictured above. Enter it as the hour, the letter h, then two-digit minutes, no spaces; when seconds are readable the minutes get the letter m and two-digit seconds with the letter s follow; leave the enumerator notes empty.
3h33
